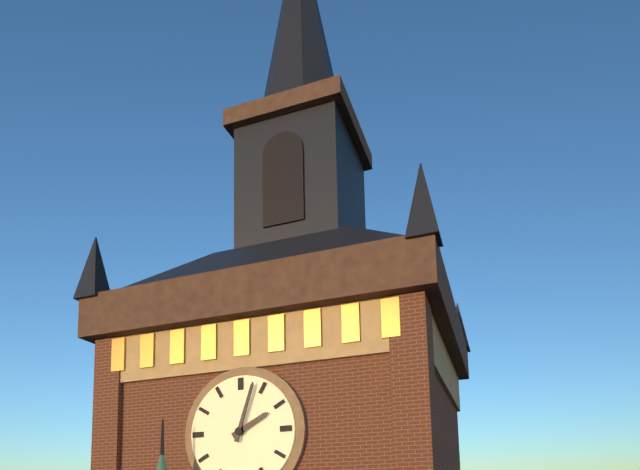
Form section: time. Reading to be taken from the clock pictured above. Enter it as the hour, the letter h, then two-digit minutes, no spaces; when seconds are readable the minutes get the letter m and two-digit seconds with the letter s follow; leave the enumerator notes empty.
2h03
